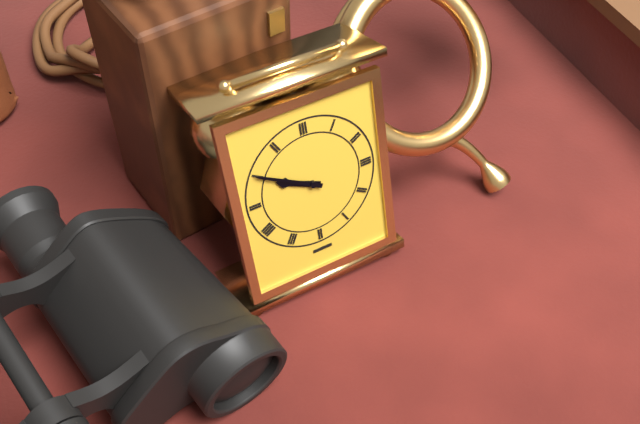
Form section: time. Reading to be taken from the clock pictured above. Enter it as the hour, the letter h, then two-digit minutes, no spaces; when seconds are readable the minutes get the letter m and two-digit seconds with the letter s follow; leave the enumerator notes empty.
9h50
